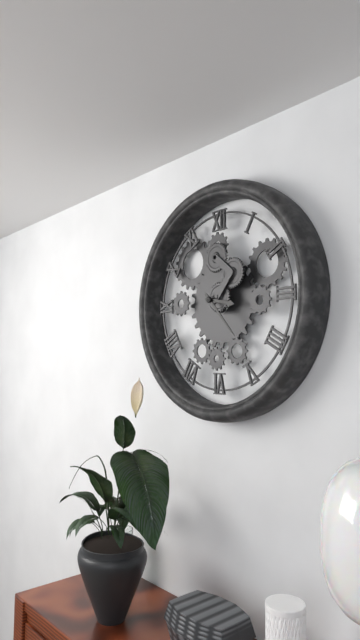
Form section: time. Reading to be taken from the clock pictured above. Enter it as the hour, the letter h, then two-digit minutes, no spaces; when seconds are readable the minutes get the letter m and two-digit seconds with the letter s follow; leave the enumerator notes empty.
3h23
